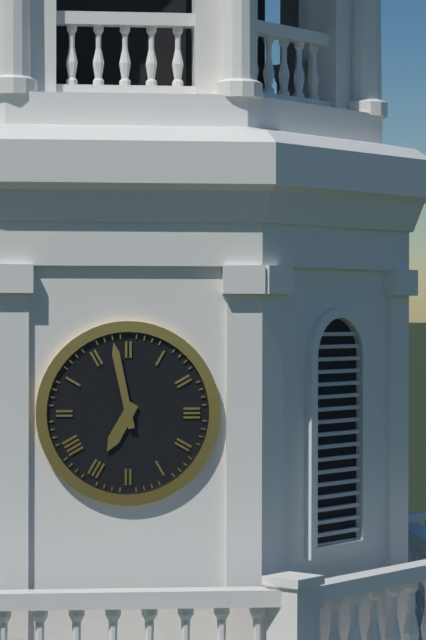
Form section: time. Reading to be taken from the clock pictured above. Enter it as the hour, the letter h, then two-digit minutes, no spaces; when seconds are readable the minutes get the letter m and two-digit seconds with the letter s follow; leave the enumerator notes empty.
6h58
